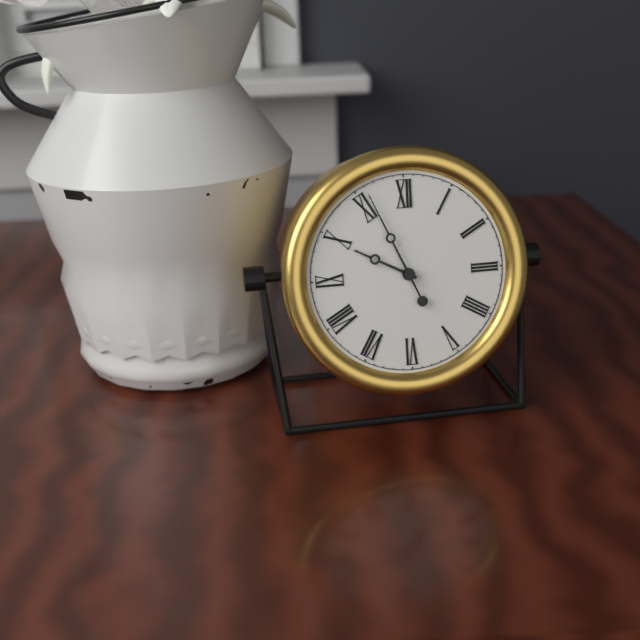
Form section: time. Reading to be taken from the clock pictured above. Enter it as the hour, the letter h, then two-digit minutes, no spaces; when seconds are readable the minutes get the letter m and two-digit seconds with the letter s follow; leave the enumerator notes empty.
9h56
